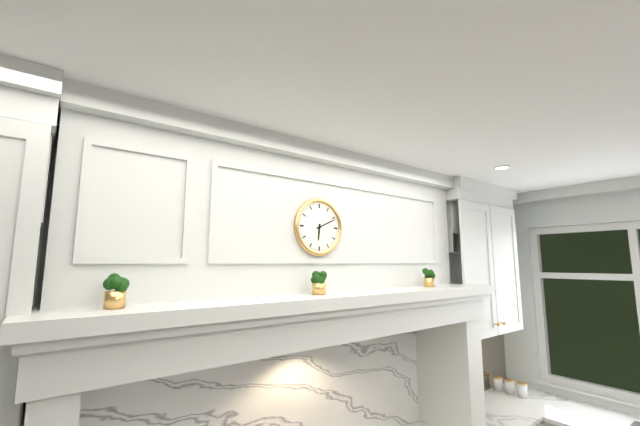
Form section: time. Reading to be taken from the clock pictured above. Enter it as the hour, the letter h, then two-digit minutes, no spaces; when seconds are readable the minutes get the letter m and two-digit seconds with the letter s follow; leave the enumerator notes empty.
6h11
